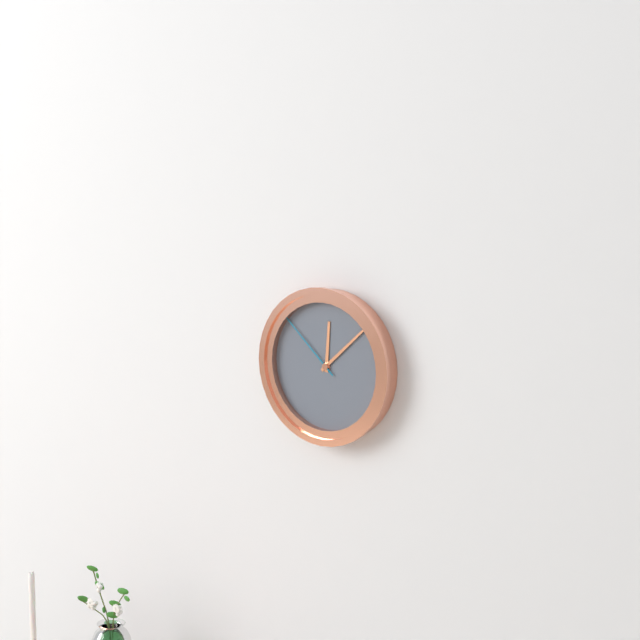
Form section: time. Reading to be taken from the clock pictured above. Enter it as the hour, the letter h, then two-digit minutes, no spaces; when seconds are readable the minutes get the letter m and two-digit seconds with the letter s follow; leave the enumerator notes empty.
12h08m52s
